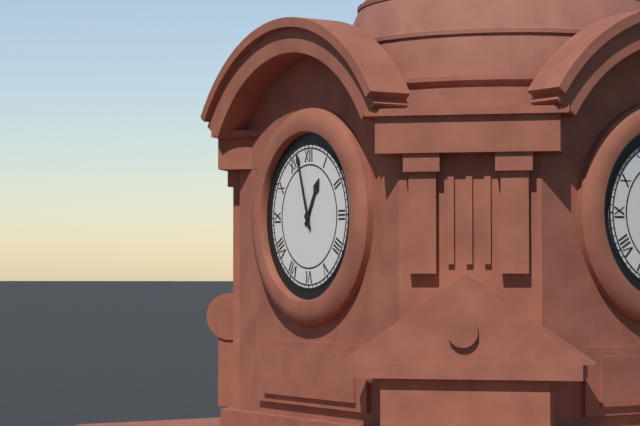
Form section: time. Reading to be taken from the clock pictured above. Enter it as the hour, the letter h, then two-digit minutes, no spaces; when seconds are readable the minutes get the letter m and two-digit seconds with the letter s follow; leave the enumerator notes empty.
12h57
